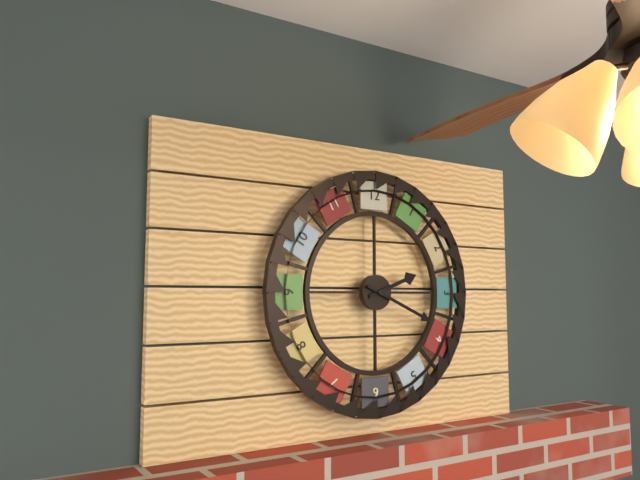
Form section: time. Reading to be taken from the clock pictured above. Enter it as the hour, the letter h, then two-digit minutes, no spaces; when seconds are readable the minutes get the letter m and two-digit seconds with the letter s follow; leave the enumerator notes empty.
2h19
